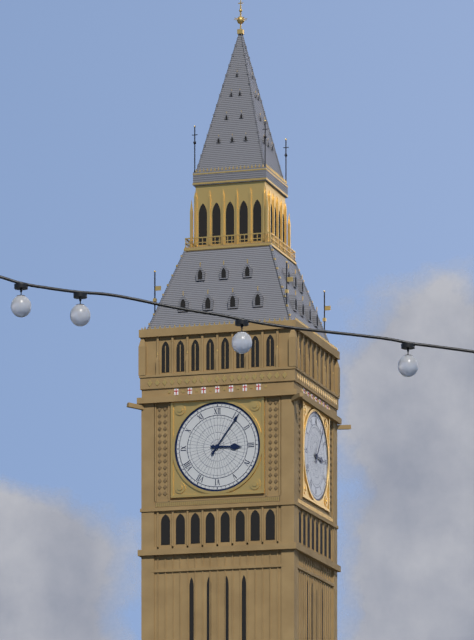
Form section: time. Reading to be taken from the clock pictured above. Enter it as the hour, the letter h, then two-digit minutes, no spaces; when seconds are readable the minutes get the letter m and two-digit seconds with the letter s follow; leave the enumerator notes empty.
3h06
